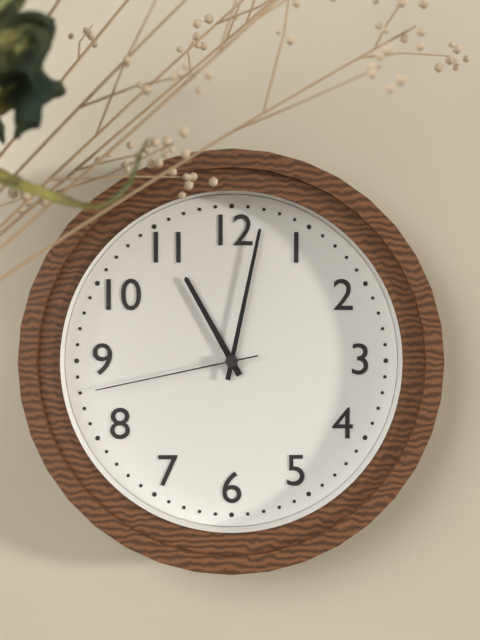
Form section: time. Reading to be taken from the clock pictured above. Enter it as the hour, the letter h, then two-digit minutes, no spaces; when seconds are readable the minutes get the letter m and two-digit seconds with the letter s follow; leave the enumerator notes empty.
11h02m43s
